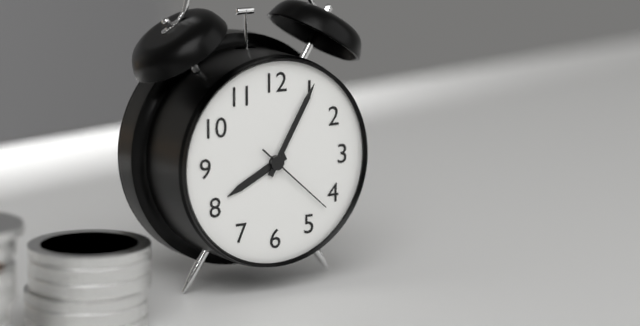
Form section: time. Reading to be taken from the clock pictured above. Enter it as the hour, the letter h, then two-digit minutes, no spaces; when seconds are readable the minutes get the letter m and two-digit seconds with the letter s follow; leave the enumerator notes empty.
8h05m22s
